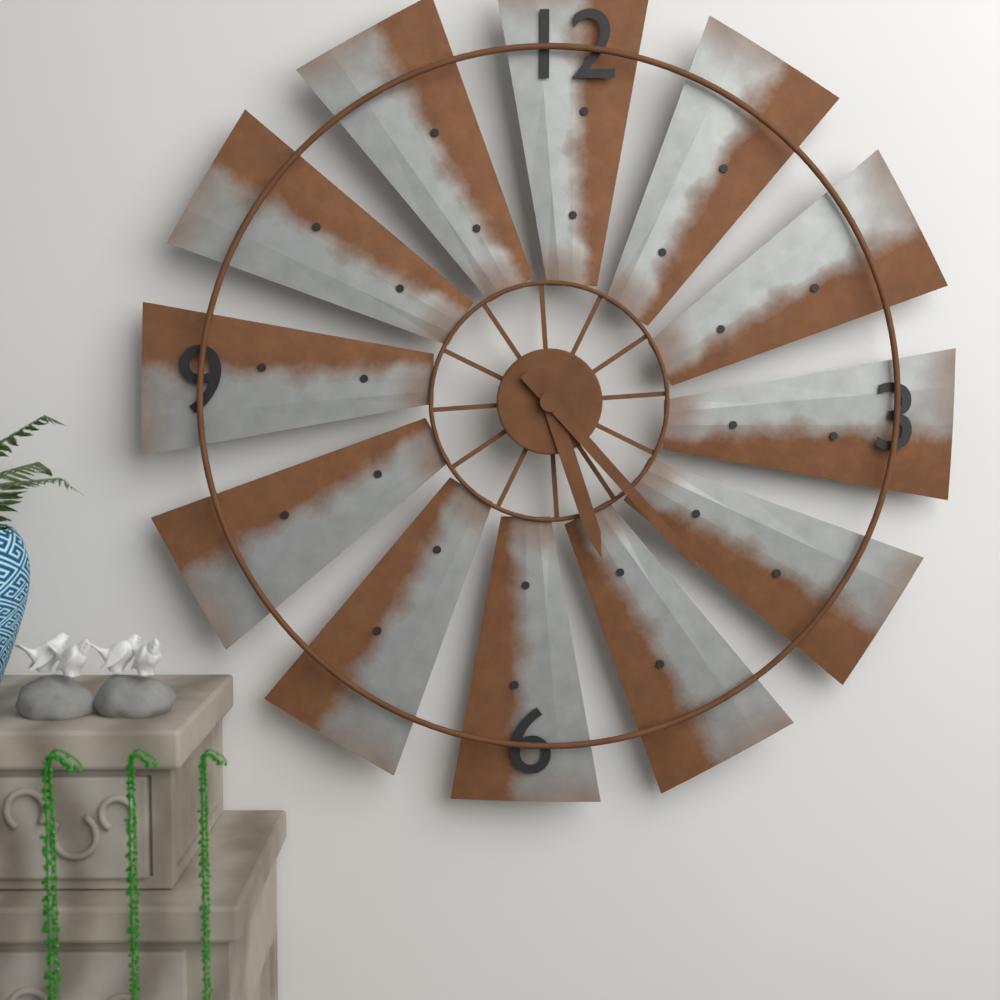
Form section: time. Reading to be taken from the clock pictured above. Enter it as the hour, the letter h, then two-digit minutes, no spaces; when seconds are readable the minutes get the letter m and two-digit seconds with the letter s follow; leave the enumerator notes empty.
5h23
